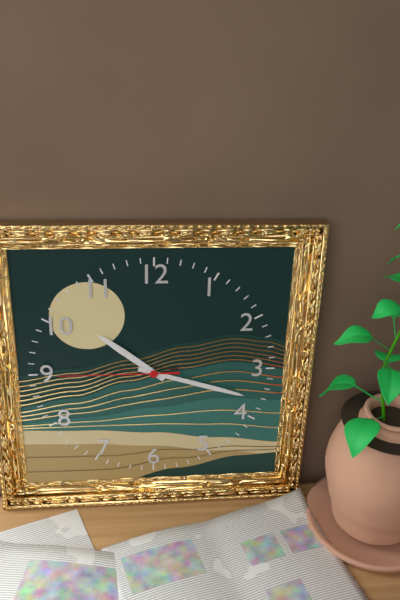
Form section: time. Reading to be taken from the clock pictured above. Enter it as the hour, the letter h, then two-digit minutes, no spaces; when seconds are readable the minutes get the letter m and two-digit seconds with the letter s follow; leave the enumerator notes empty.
10h18m45s
